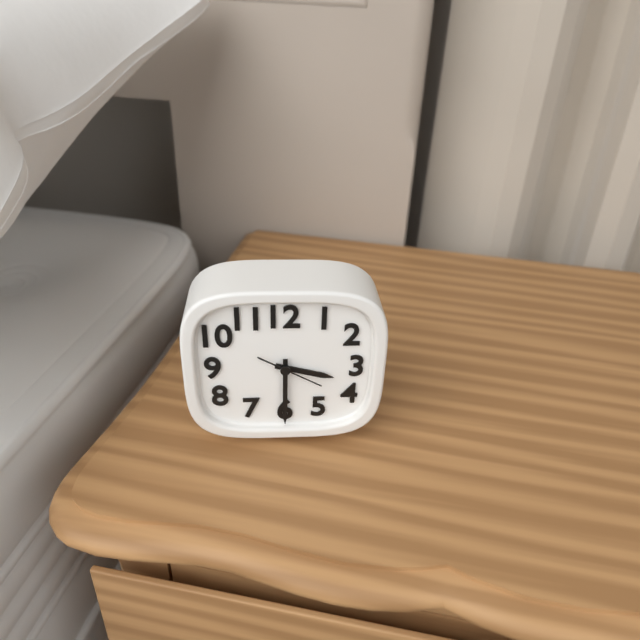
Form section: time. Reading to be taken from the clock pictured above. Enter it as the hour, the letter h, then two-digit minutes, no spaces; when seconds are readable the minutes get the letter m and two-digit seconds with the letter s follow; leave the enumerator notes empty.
3h30
